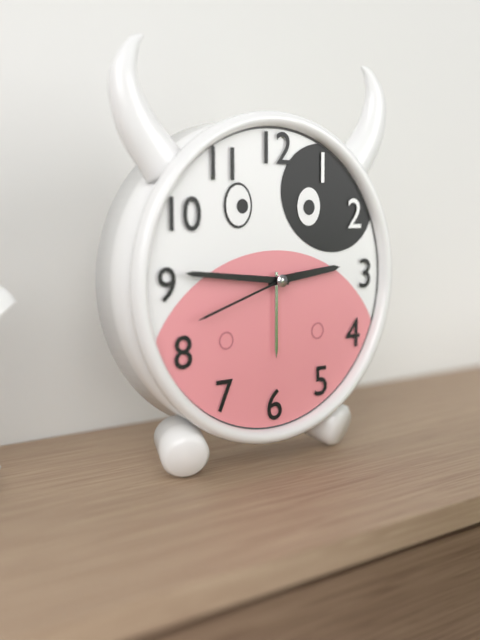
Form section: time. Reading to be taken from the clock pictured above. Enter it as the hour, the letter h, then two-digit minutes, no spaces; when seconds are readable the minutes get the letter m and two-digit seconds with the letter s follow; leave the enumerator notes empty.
2h46m42s
